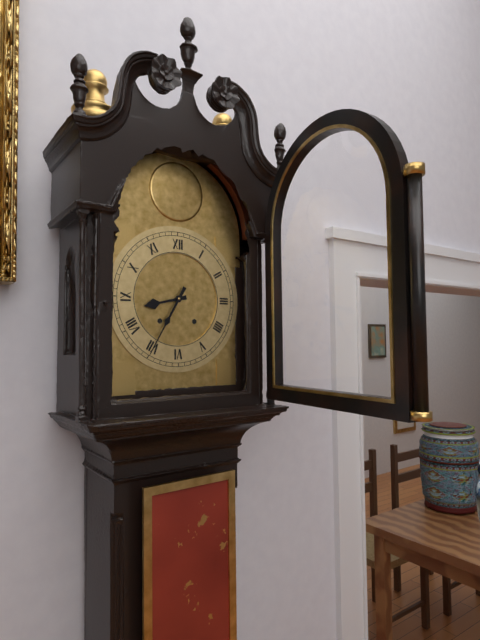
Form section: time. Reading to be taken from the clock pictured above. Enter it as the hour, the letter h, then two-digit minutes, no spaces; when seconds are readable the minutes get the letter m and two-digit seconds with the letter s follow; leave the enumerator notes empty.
8h35
